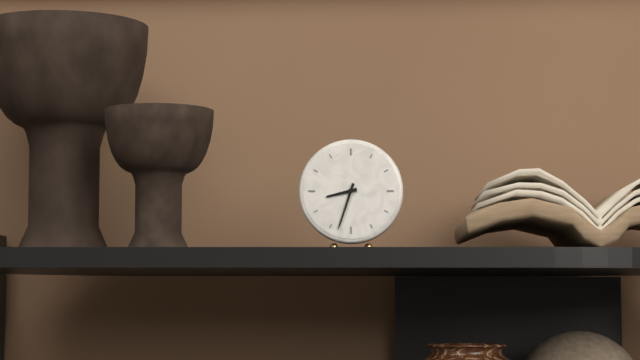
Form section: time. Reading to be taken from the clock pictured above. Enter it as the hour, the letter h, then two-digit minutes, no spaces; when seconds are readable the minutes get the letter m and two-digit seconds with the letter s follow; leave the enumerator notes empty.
8h33
